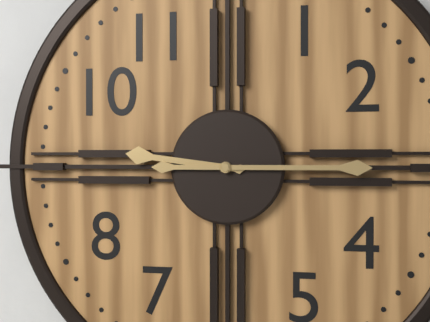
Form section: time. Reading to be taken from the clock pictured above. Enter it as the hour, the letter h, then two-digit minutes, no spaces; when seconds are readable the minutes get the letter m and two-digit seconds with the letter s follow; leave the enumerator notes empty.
9h15
